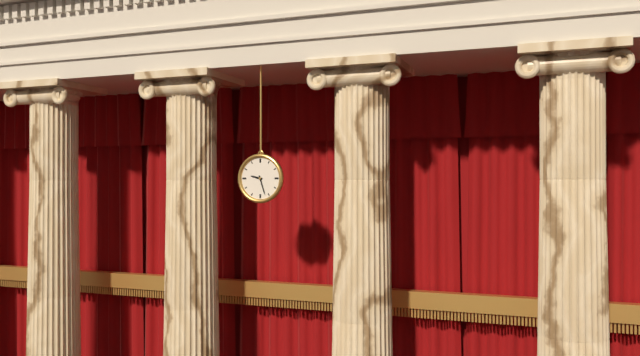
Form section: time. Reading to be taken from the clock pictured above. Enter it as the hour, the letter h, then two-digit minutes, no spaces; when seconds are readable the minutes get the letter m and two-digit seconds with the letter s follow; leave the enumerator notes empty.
9h27
